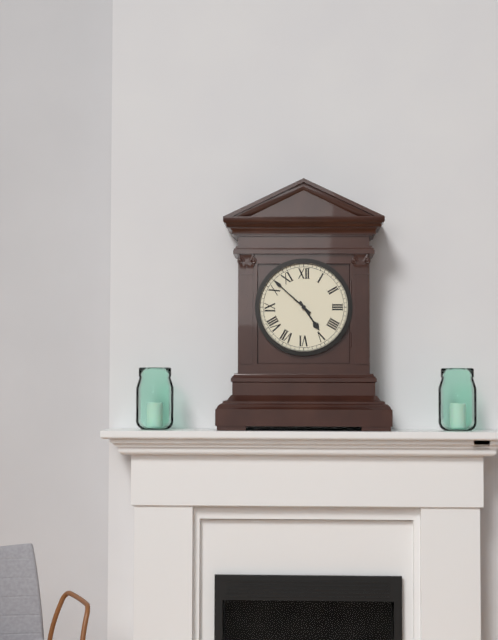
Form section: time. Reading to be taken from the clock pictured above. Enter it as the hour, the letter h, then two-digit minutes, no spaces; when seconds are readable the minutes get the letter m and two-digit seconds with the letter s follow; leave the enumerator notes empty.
4h52
